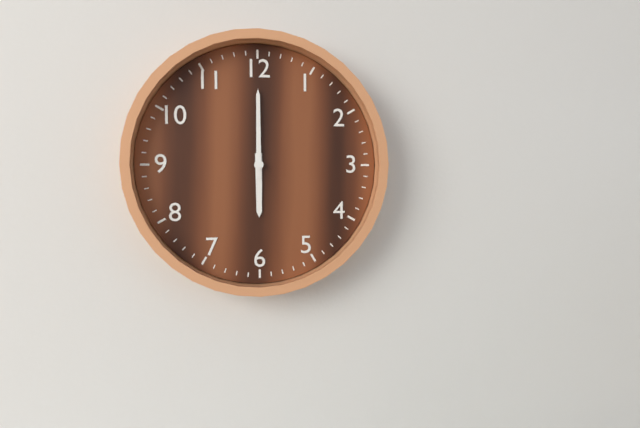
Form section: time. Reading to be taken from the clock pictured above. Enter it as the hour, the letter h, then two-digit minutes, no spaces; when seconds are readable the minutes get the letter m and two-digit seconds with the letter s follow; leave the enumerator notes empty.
6h00
